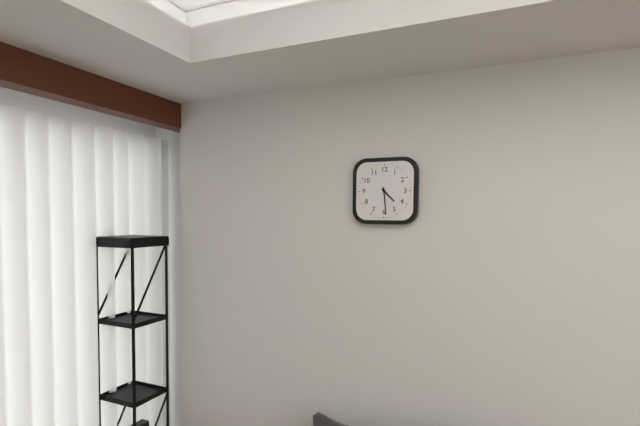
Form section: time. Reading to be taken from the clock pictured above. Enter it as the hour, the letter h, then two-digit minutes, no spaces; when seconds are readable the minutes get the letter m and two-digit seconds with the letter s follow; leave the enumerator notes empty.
4h29
